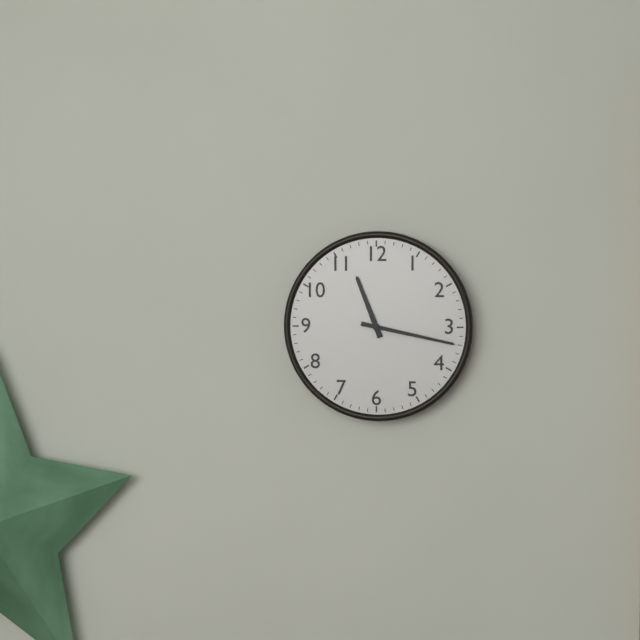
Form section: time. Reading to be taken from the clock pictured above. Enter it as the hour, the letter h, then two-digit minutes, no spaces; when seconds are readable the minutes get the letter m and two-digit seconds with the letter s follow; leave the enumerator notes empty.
11h17
